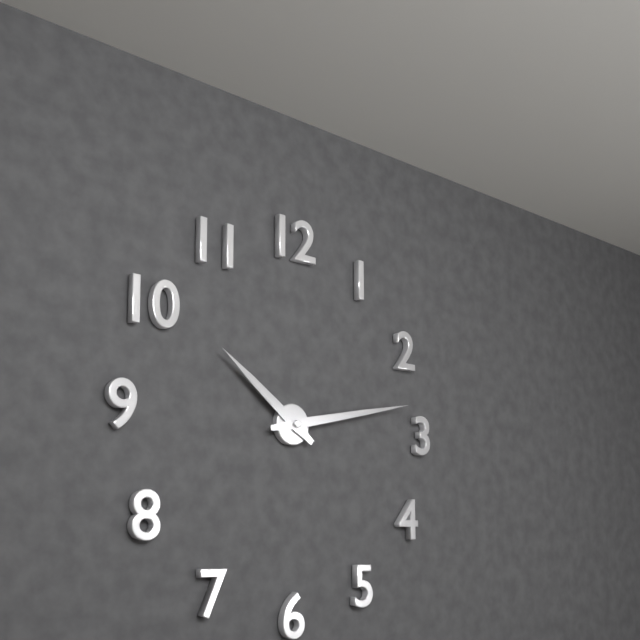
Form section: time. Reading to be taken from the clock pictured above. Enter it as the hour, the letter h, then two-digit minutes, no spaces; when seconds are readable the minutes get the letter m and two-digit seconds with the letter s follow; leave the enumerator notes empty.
10h13
